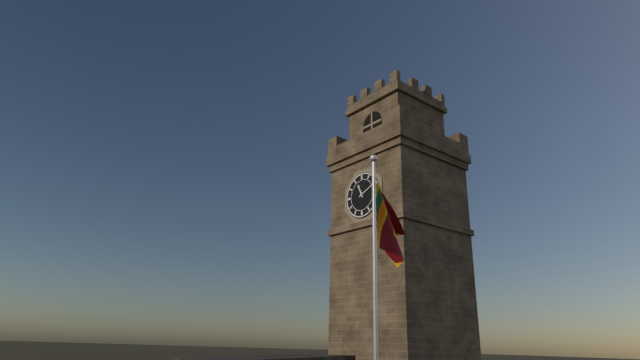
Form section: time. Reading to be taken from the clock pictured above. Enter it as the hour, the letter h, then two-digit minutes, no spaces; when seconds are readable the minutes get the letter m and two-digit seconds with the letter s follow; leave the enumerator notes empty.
11h11
